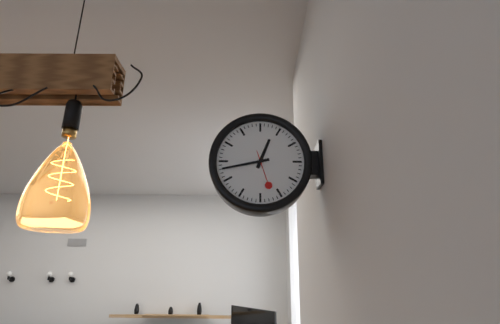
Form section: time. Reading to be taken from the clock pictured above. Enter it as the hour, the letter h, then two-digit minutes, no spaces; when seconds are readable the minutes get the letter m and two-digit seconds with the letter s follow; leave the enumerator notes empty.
12h43
